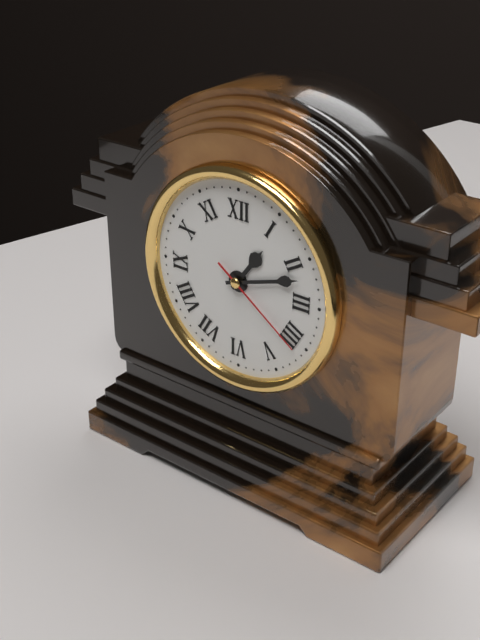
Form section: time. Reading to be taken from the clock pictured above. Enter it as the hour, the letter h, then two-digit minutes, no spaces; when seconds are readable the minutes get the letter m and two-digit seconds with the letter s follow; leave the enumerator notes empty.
1h12m21s
